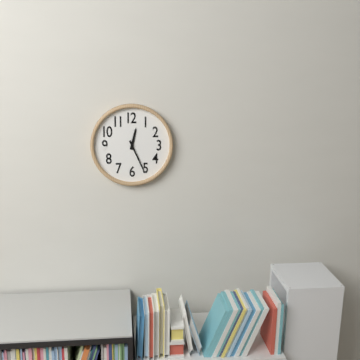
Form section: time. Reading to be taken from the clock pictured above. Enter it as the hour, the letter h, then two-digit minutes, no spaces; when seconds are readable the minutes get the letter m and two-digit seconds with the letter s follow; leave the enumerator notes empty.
12h26
